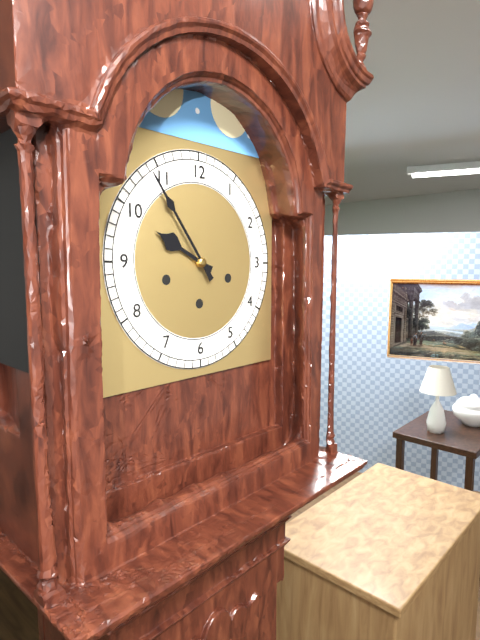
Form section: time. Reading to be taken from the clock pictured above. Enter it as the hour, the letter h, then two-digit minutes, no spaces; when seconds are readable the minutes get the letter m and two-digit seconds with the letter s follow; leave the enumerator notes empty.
9h54
